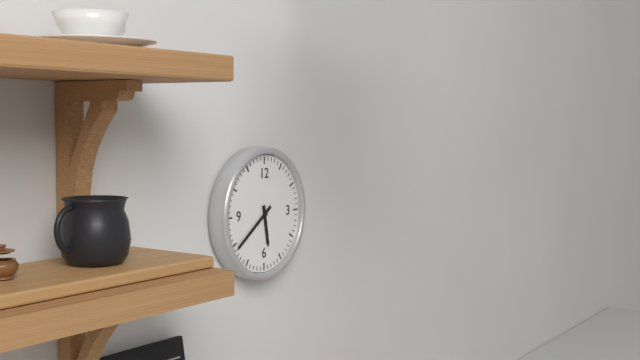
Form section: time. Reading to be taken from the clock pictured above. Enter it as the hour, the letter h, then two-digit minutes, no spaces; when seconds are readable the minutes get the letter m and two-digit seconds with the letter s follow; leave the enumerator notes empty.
5h39
